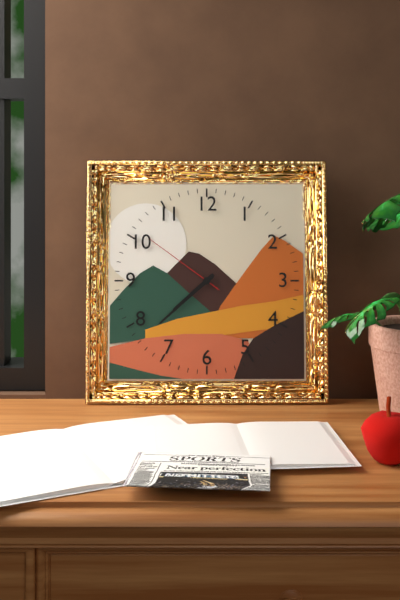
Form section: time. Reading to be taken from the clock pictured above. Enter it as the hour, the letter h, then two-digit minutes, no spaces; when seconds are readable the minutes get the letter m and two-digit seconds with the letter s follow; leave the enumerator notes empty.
7h38m51s
